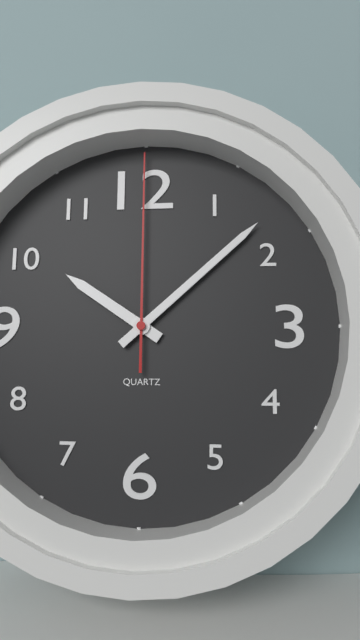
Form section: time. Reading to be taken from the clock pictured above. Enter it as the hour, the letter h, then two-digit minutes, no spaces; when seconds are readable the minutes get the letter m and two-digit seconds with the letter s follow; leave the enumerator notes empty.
10h08m00s
